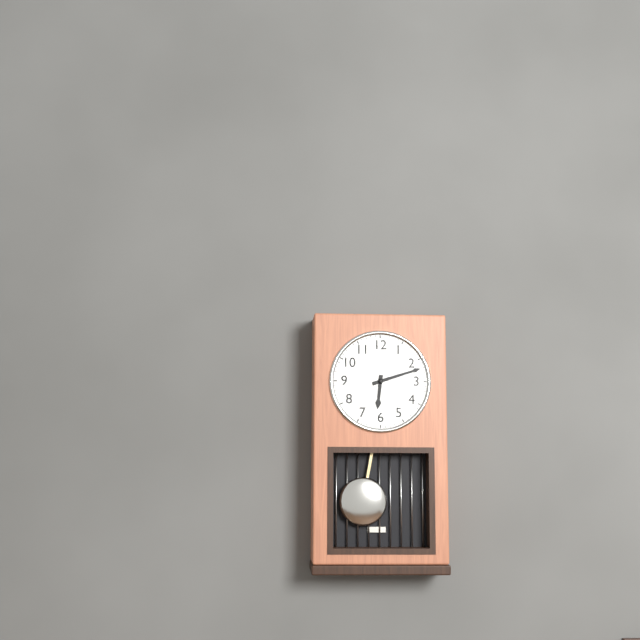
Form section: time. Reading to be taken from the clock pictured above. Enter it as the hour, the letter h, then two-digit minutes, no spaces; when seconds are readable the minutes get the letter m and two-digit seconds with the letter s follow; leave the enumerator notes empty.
6h12
